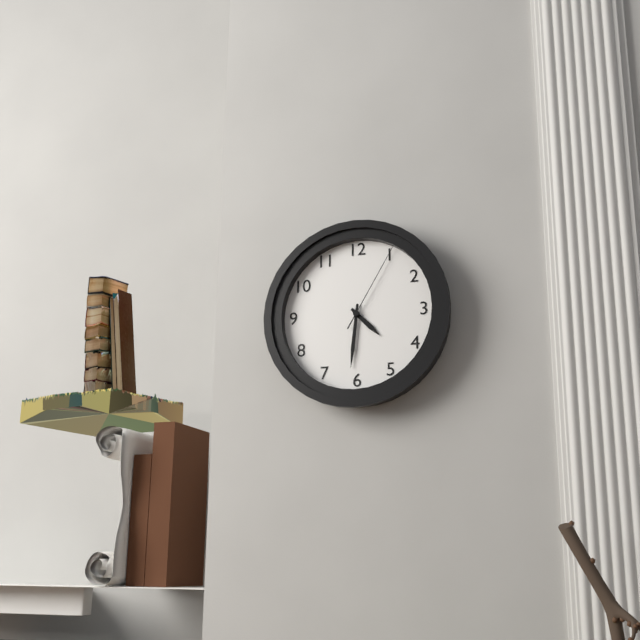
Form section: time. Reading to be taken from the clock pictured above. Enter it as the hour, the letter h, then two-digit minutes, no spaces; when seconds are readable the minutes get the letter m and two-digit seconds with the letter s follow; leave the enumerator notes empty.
4h31m05s
